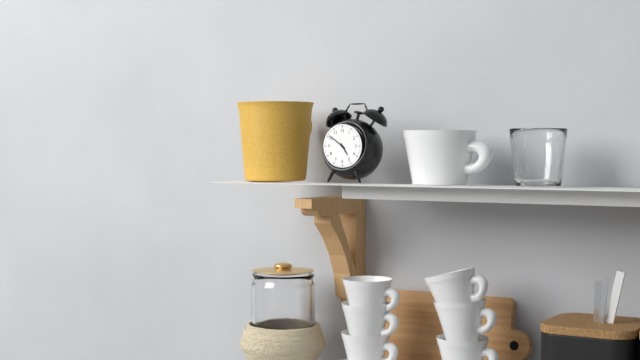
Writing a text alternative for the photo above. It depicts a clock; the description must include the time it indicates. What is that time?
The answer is 4:51
